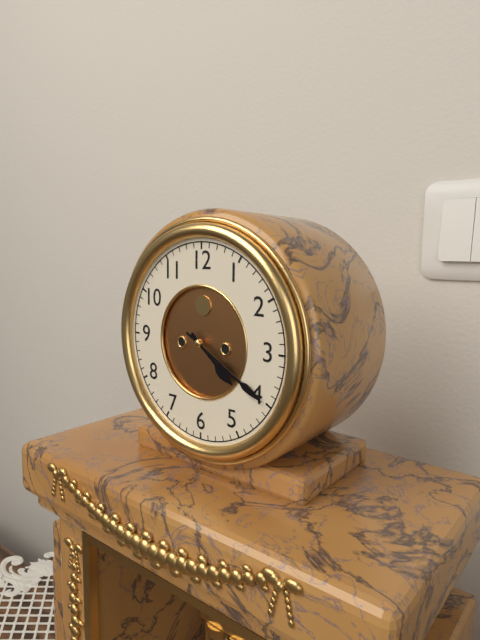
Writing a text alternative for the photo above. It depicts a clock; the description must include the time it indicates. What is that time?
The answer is 4:20
